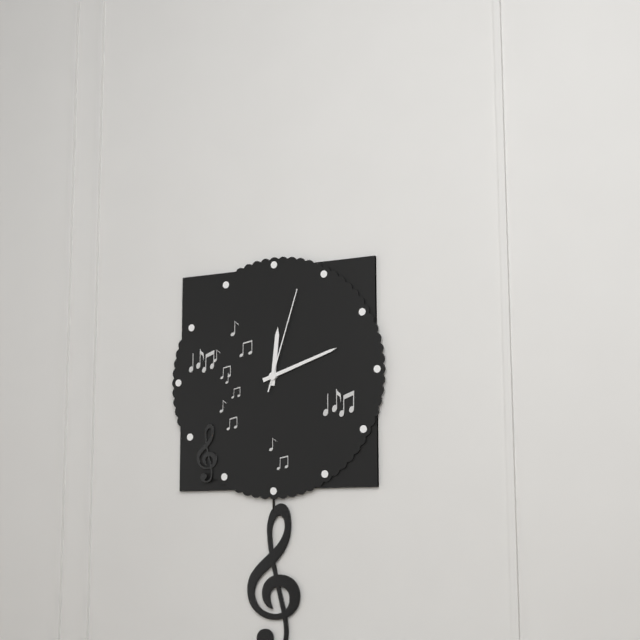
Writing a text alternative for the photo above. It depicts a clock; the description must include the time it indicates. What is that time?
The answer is 12:12:03
